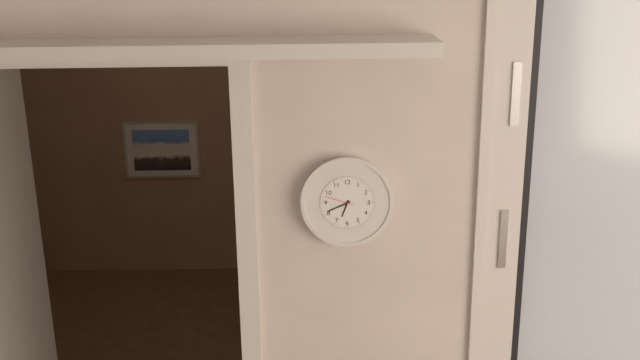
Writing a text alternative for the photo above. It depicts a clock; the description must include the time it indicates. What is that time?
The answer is 6:41
